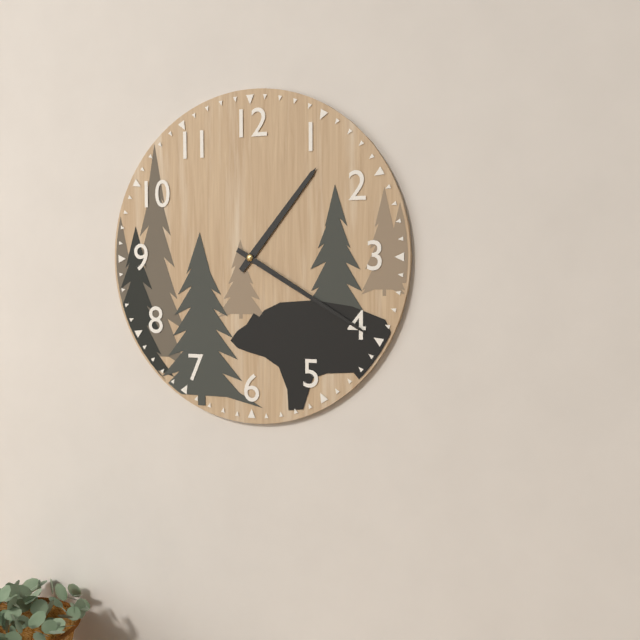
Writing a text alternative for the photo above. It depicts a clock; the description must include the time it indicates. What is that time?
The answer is 1:20
